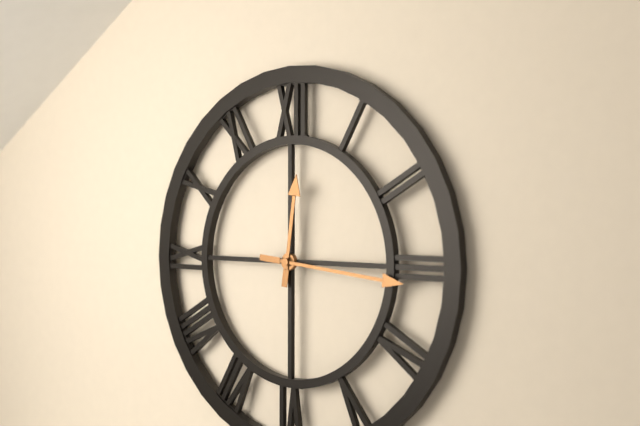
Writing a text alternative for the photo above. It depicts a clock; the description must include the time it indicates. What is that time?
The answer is 12:16
